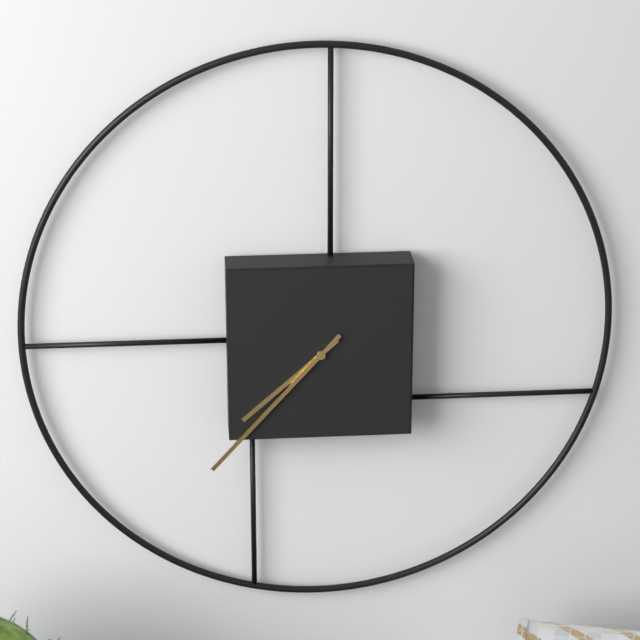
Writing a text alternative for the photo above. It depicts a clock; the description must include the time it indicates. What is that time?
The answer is 7:37
